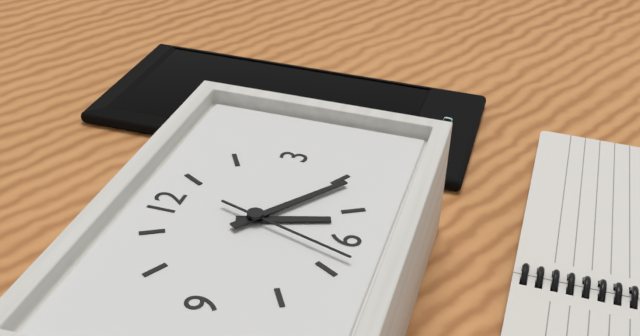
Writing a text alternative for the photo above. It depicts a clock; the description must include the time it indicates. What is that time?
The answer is 5:21:33
